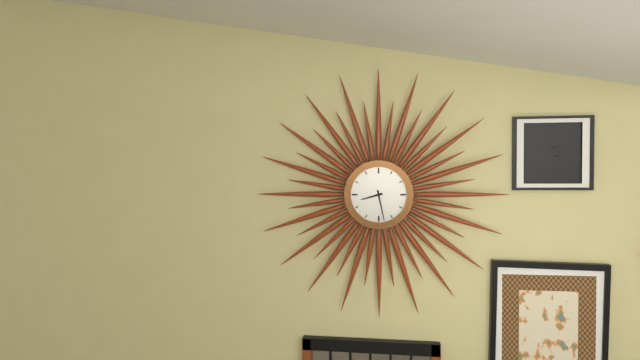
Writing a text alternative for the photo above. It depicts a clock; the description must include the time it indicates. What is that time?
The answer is 8:28
